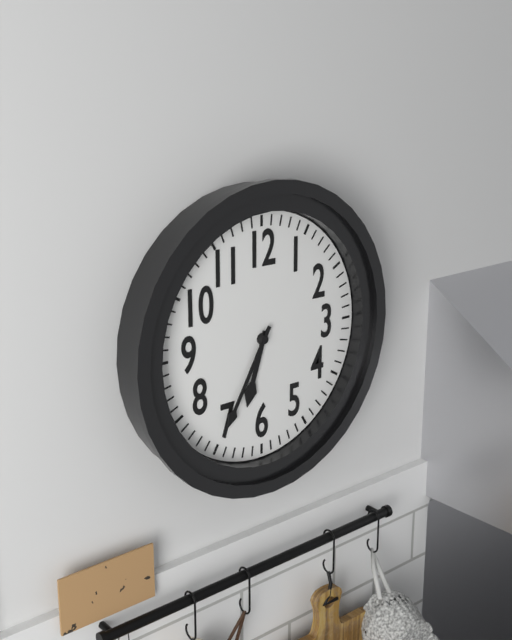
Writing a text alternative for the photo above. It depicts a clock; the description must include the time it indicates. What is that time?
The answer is 6:35
